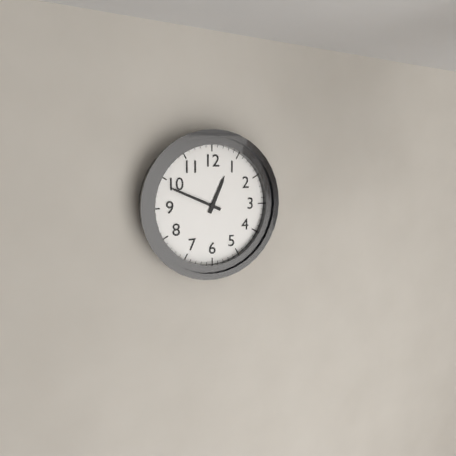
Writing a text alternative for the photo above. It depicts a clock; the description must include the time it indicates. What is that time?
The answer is 12:49
